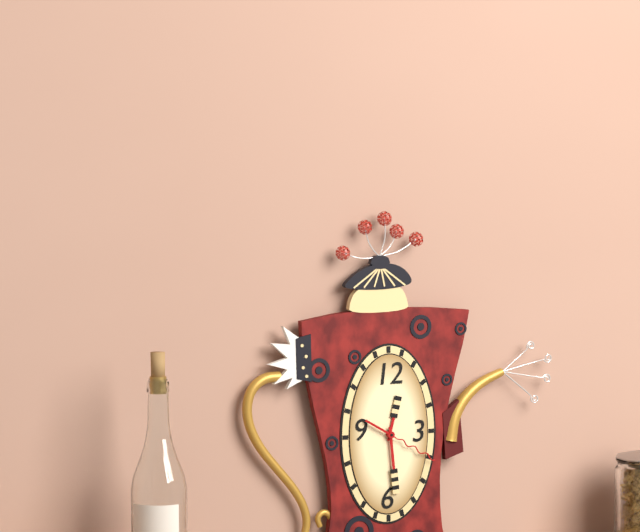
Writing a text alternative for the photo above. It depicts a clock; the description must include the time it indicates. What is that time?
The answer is 12:29:20
